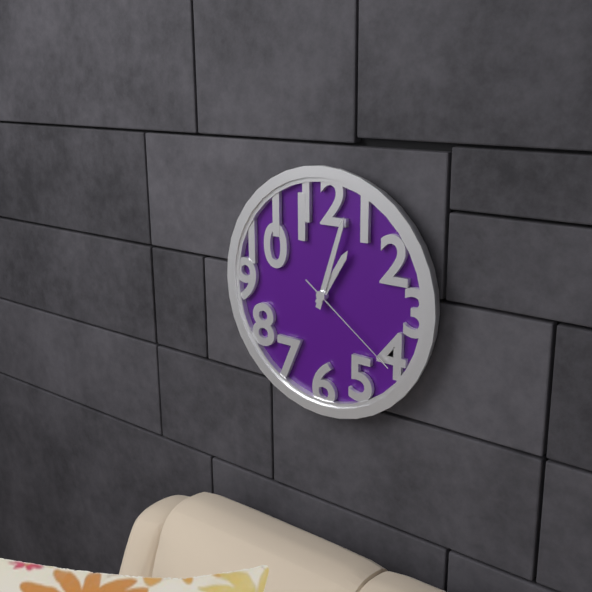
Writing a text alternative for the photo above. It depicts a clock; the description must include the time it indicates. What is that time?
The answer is 1:03:21
